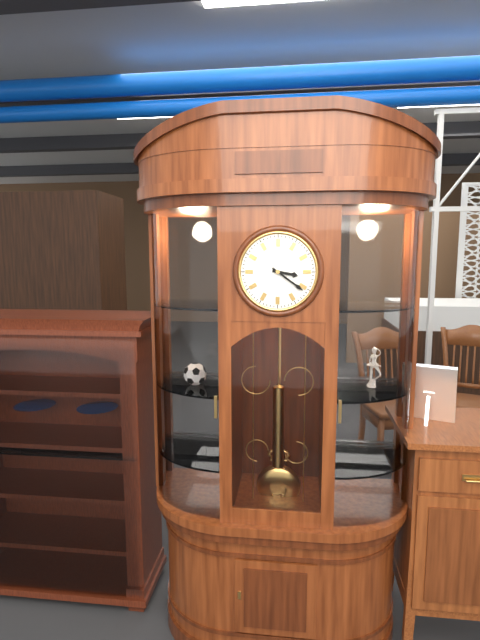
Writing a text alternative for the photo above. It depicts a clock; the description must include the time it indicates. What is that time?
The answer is 3:21
